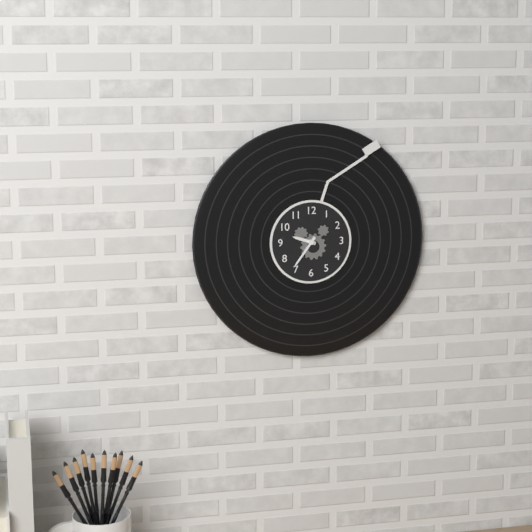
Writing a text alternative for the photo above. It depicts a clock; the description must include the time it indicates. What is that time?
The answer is 9:36
